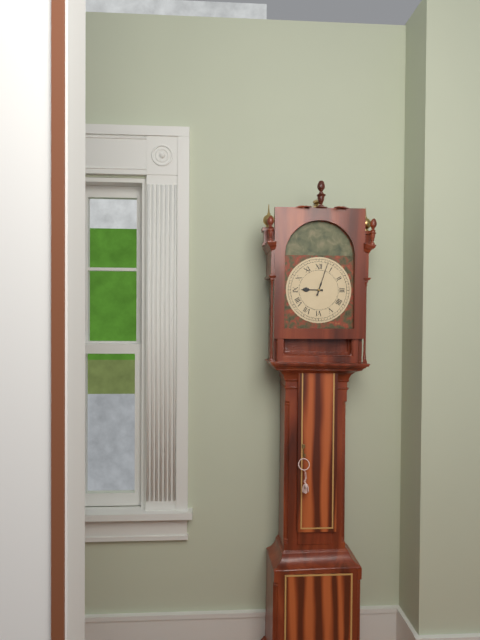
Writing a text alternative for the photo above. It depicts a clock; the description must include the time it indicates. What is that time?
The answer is 9:03
